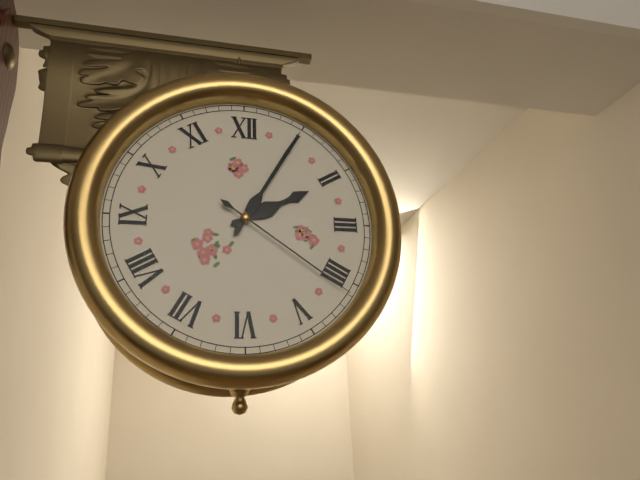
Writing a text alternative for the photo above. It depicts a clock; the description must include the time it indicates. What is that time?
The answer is 2:05:21
